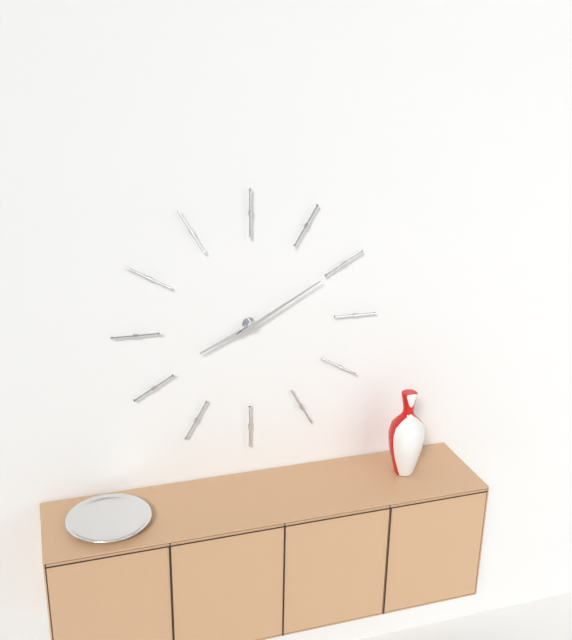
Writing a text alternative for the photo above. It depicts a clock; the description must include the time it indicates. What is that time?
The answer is 8:10
